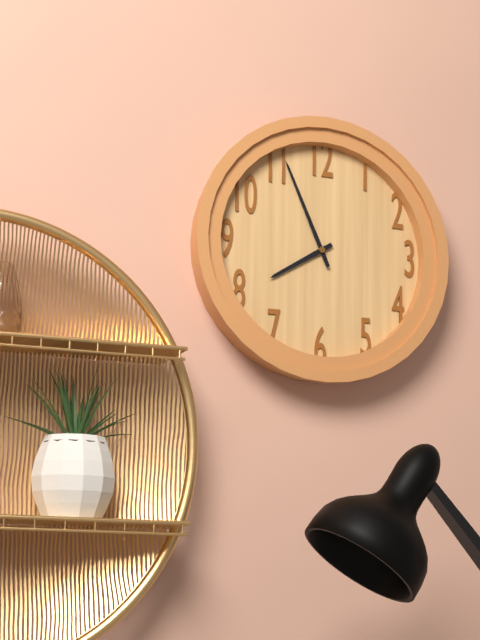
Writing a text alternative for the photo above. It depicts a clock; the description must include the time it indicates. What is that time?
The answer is 7:56
